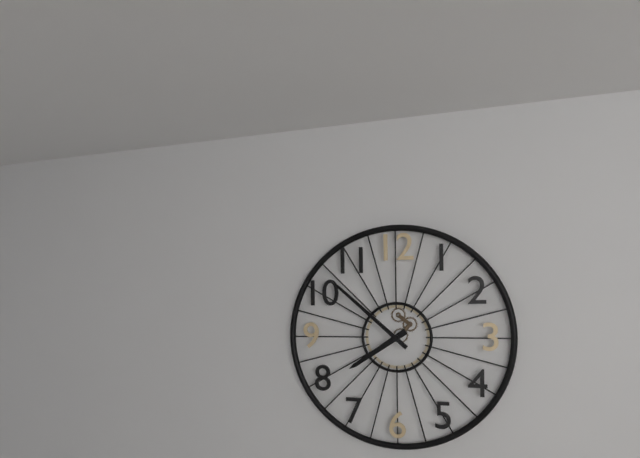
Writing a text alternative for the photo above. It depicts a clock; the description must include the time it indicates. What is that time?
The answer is 7:52
